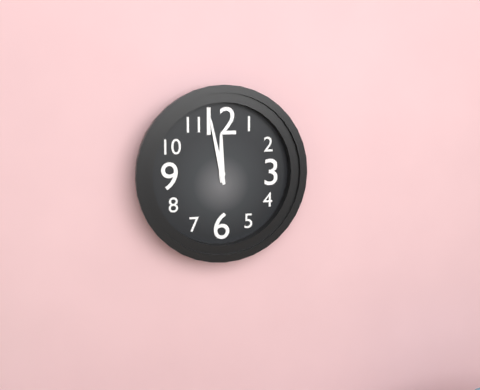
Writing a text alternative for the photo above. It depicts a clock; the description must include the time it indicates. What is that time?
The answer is 11:58
